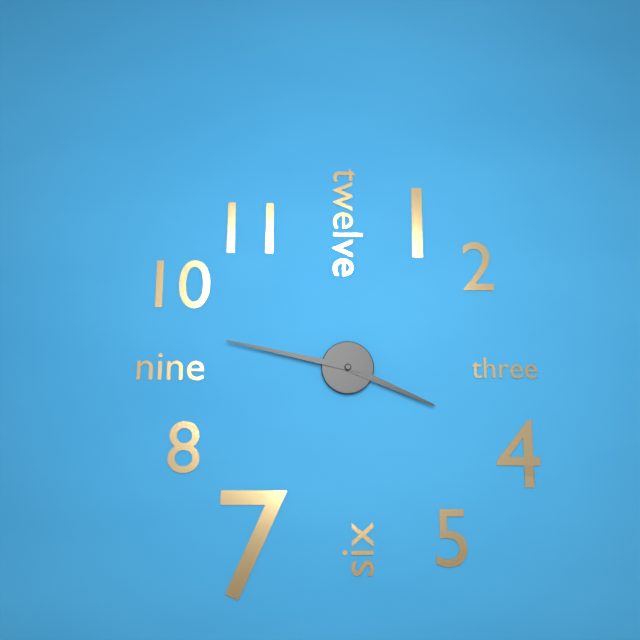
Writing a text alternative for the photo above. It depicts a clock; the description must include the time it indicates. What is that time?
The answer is 3:47
